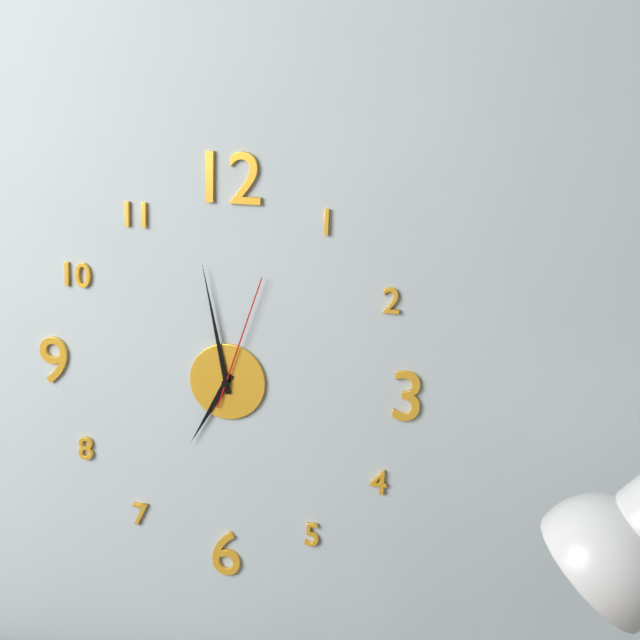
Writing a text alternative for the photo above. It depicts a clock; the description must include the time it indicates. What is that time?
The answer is 6:58:03
